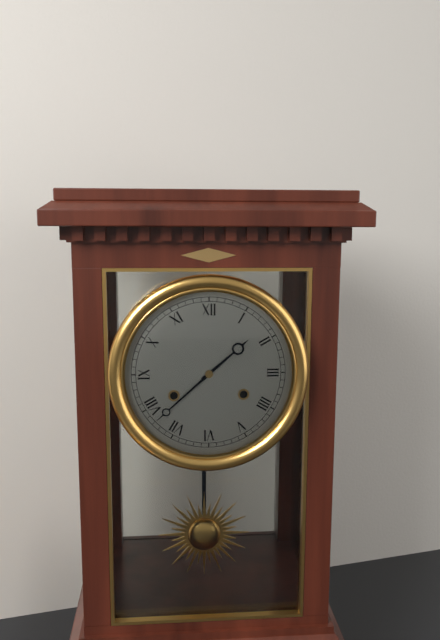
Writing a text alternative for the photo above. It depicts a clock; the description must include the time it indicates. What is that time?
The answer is 1:38
